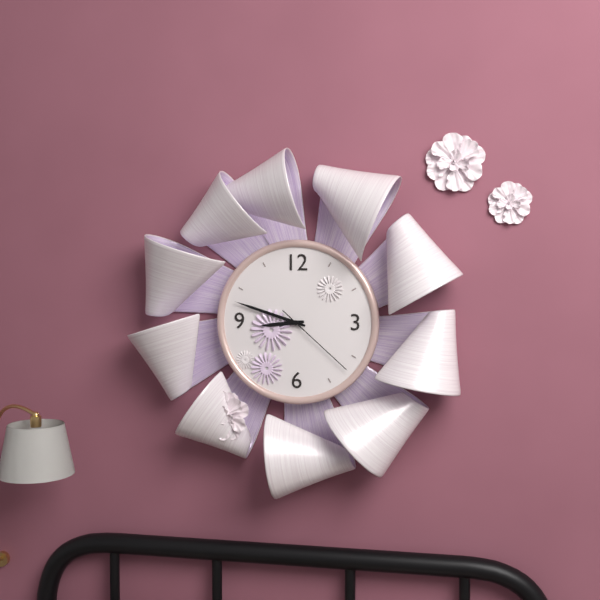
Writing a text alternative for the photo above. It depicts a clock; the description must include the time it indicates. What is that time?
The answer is 8:48:22
